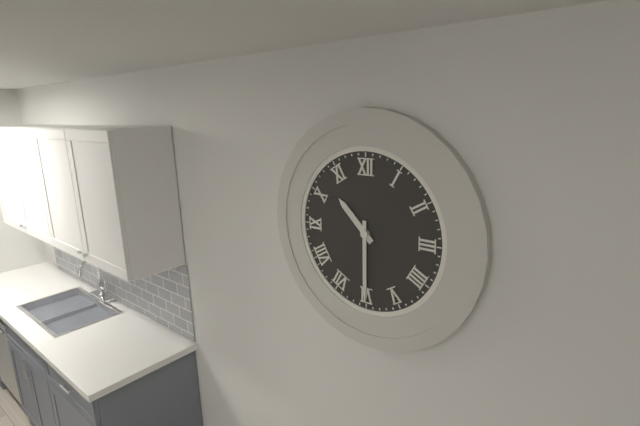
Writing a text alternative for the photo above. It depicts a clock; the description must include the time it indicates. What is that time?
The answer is 10:30
